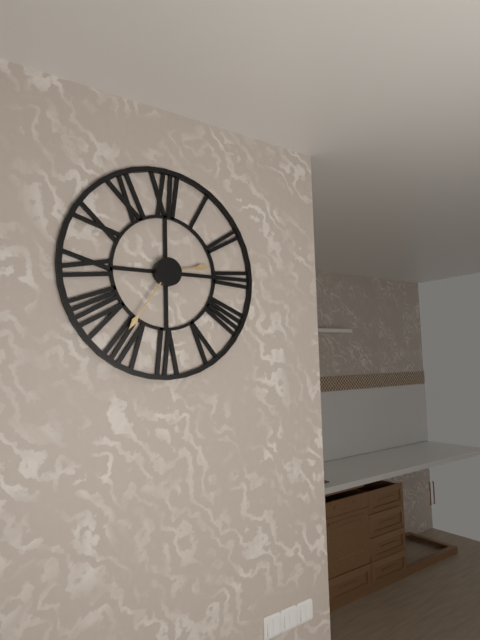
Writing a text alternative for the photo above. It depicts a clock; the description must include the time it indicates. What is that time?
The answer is 2:36
